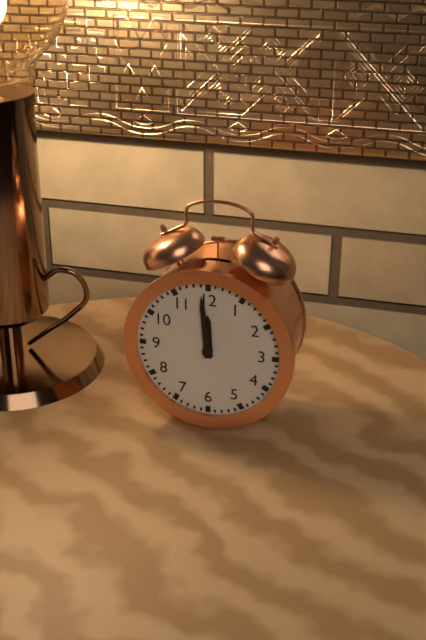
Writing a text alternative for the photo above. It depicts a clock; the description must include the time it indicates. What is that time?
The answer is 11:59
